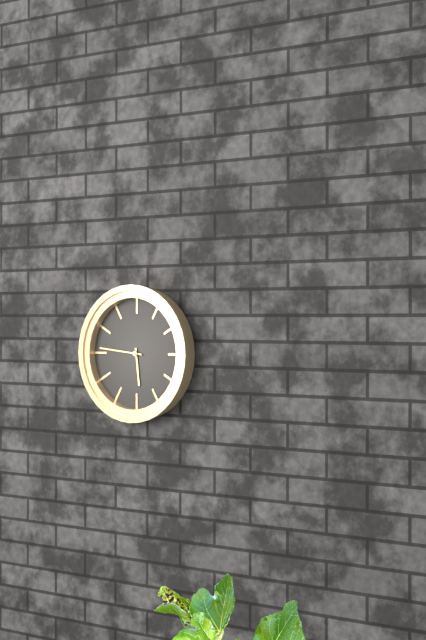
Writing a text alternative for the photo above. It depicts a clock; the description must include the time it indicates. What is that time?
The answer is 5:46
